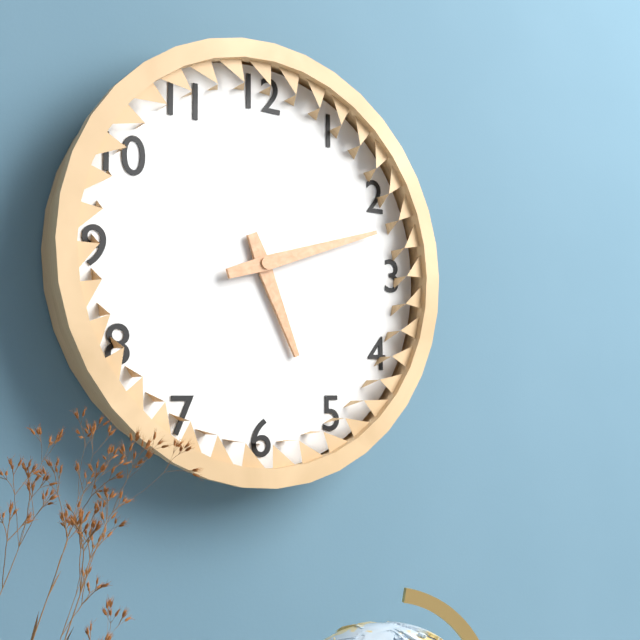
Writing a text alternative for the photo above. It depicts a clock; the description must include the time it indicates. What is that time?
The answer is 5:12
